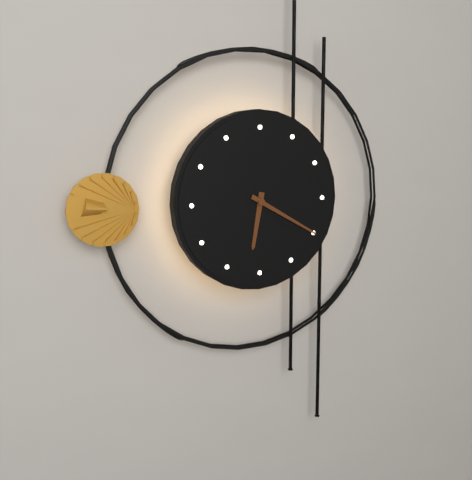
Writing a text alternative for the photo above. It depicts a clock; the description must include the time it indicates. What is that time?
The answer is 6:20
